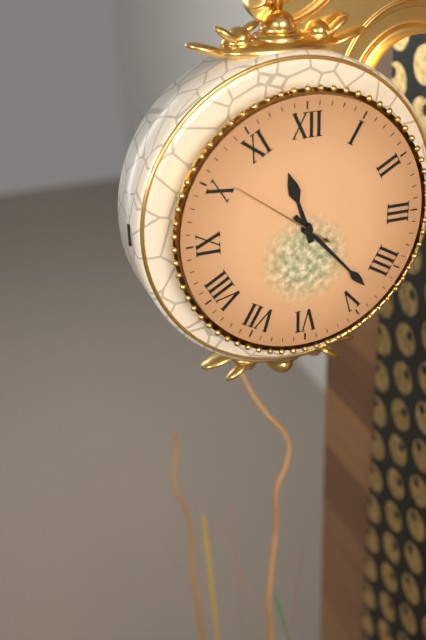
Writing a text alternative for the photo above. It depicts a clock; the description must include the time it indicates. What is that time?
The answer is 11:23:51
